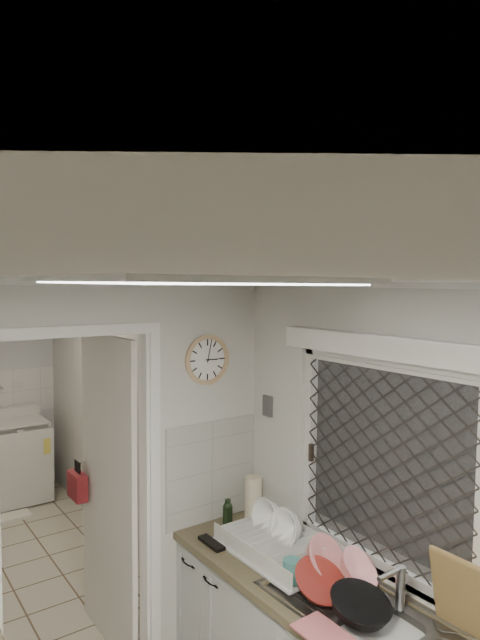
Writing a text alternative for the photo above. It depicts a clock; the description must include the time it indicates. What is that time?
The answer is 3:02
